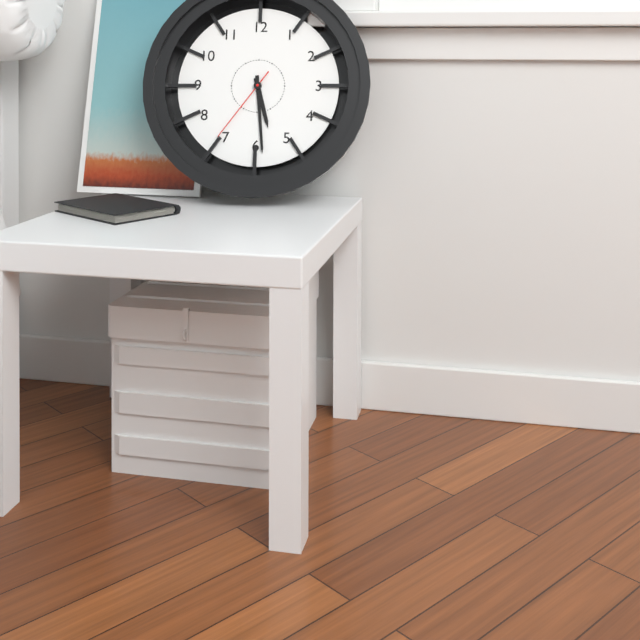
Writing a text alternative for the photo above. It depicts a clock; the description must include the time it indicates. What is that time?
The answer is 5:29:36
